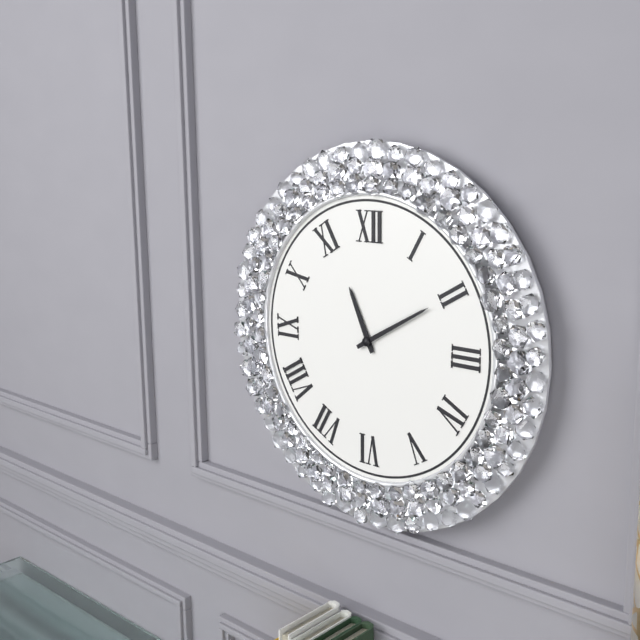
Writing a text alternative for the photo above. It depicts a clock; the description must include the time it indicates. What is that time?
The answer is 11:10
